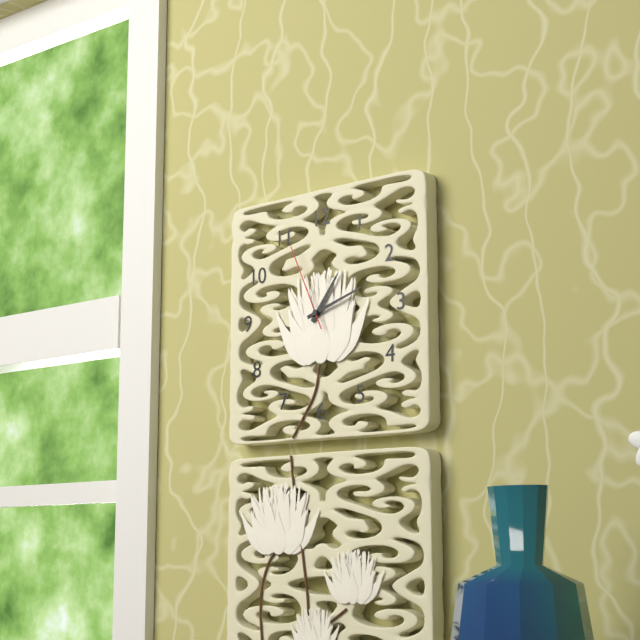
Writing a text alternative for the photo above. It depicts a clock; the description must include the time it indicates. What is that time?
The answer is 1:12:56
